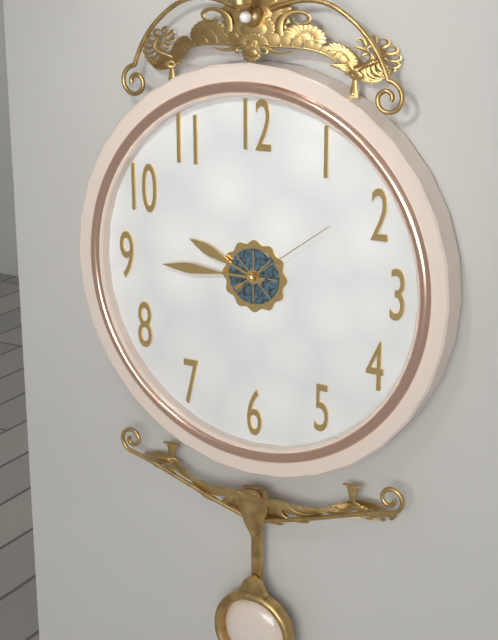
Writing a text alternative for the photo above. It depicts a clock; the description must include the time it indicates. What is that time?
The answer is 9:45:09
